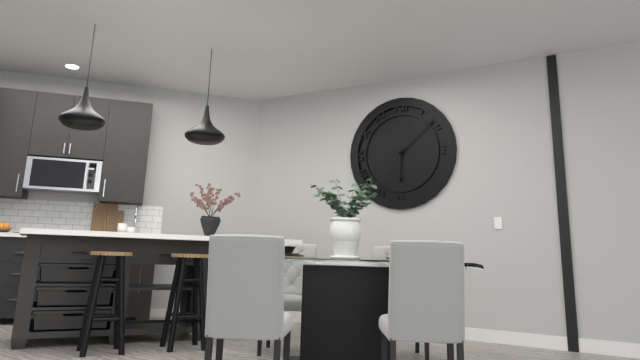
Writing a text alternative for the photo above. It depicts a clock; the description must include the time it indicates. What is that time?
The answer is 6:08:35
